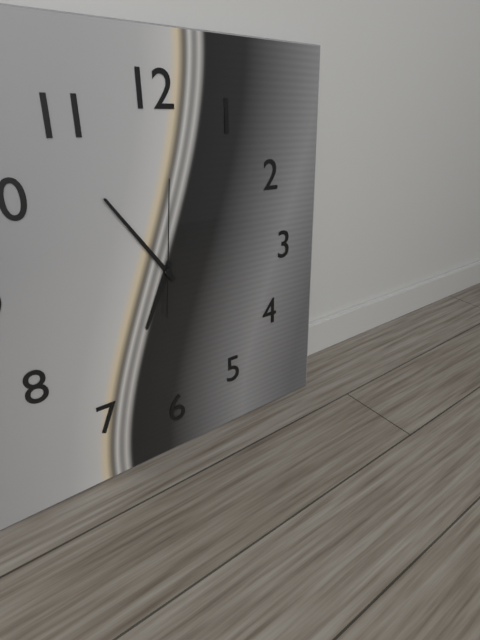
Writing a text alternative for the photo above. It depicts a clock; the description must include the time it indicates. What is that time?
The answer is 6:54:01
